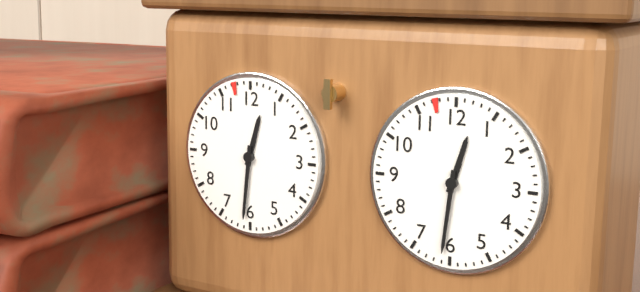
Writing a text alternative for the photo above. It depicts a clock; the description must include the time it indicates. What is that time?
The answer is 12:31
